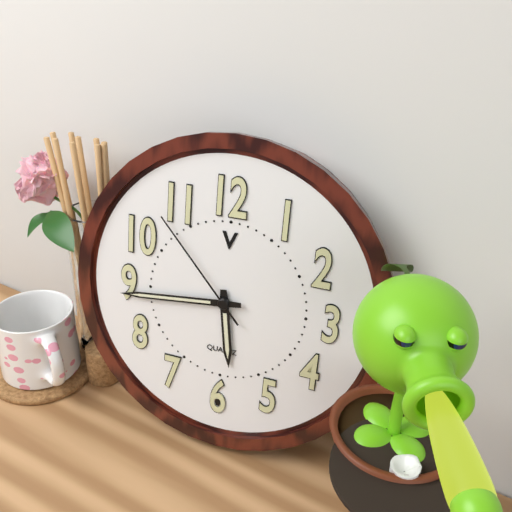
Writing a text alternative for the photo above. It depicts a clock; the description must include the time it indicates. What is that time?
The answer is 5:44:53
